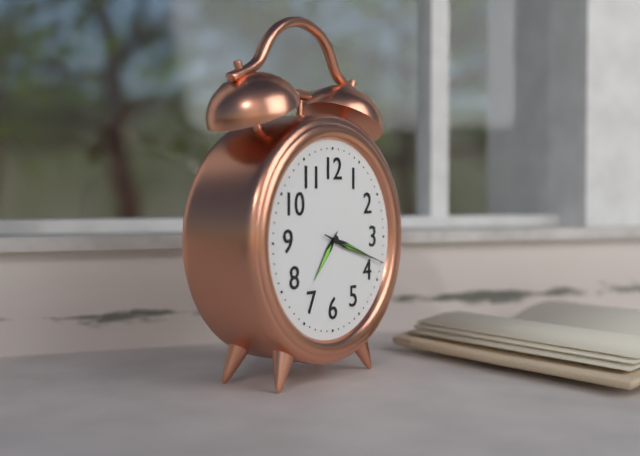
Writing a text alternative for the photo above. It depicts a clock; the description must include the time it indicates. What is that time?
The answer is 7:18:18
